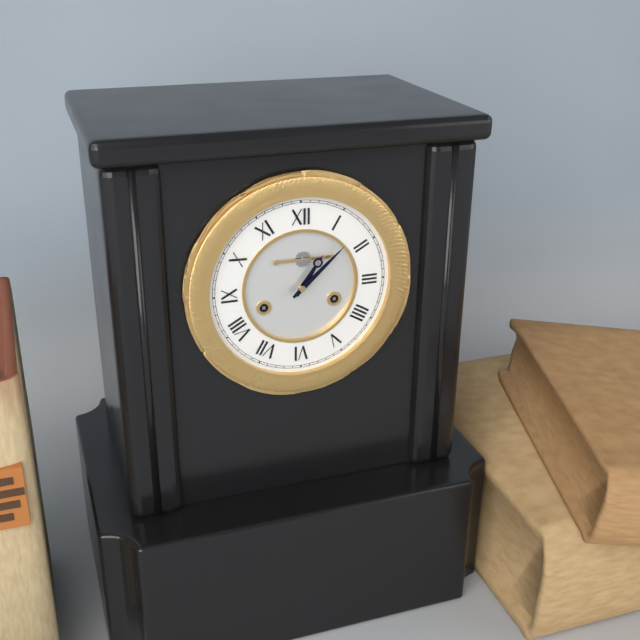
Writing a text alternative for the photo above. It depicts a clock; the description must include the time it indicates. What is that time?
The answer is 1:08
